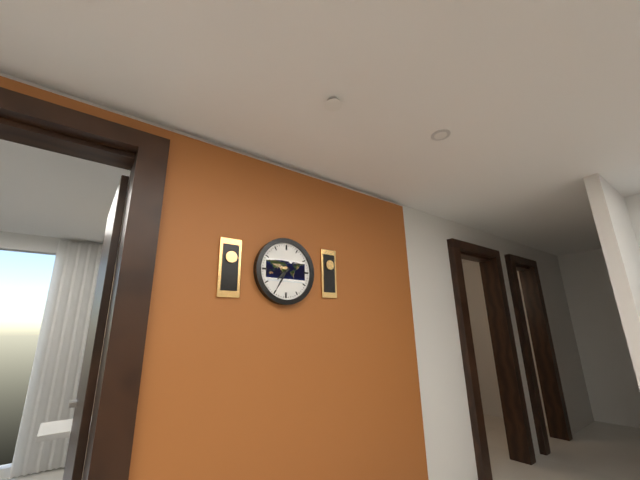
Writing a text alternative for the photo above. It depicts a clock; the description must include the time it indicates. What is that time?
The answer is 7:35
